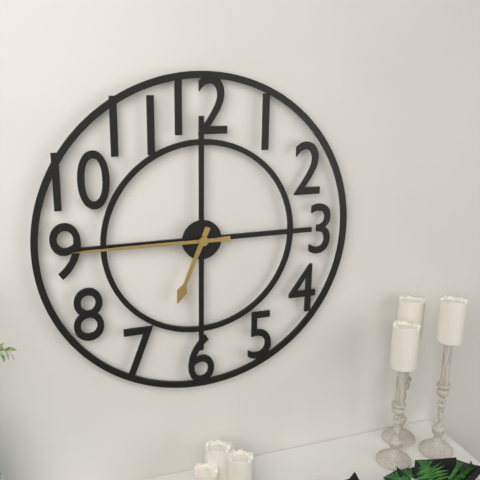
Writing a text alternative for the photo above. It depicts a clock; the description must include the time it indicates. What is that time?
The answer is 6:45
